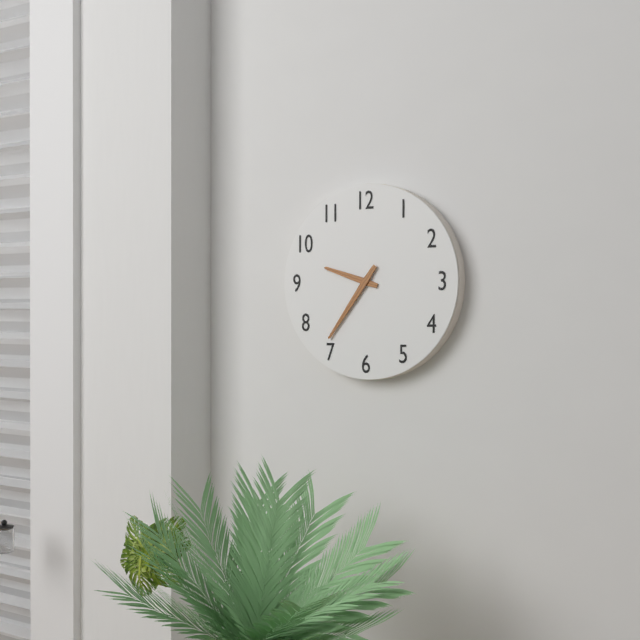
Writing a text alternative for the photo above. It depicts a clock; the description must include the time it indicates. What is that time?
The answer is 9:36
